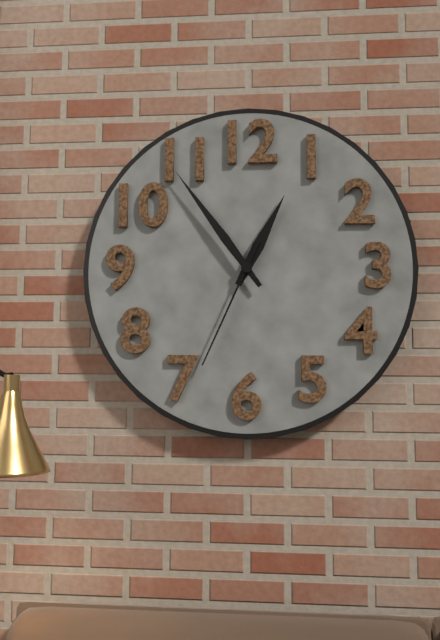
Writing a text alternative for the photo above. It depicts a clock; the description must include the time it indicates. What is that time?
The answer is 12:54:34
